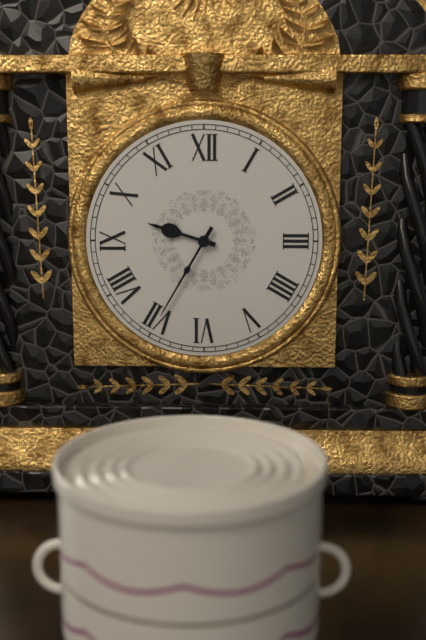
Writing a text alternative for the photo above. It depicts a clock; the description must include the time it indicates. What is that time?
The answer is 9:35
